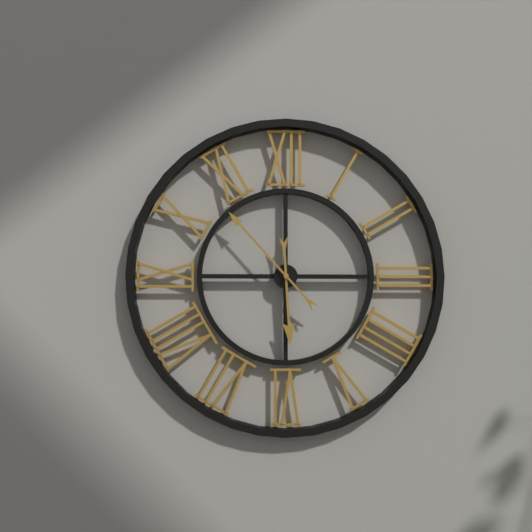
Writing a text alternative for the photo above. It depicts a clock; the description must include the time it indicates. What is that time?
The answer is 5:53
